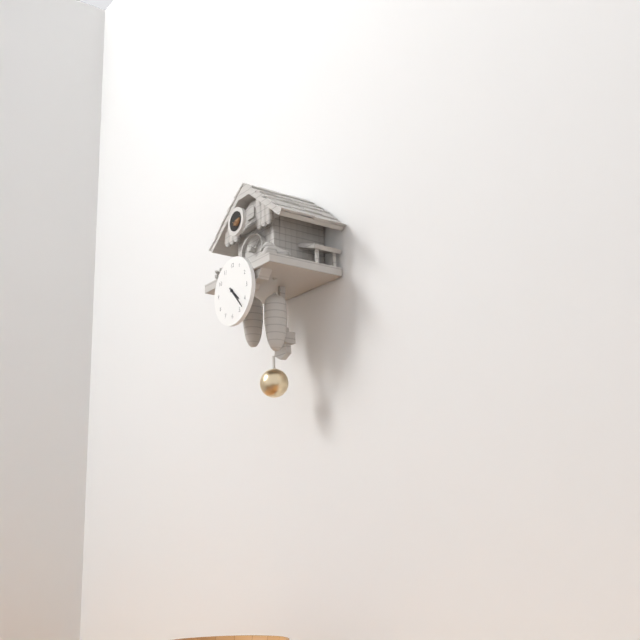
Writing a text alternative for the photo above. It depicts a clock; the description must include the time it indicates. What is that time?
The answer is 4:23
